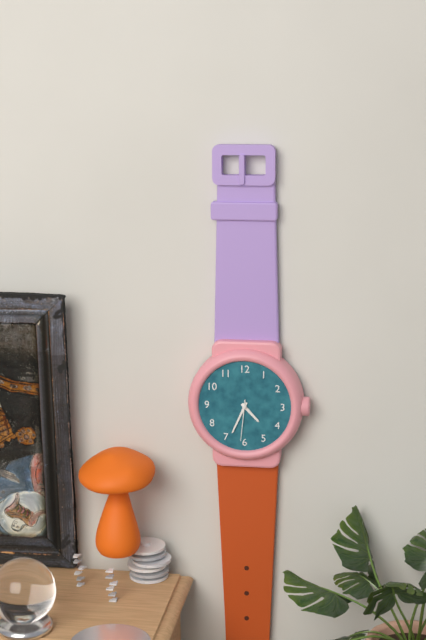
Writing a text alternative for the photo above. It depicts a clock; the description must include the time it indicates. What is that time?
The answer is 4:34
